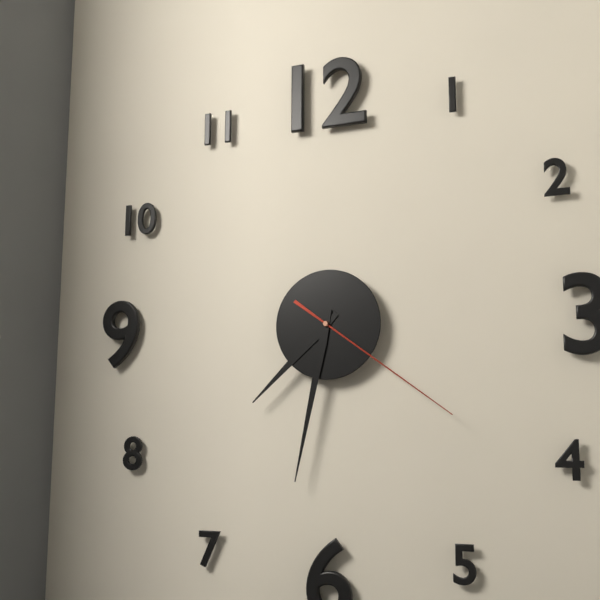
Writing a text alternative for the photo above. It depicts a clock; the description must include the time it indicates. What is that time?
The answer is 7:32:21
